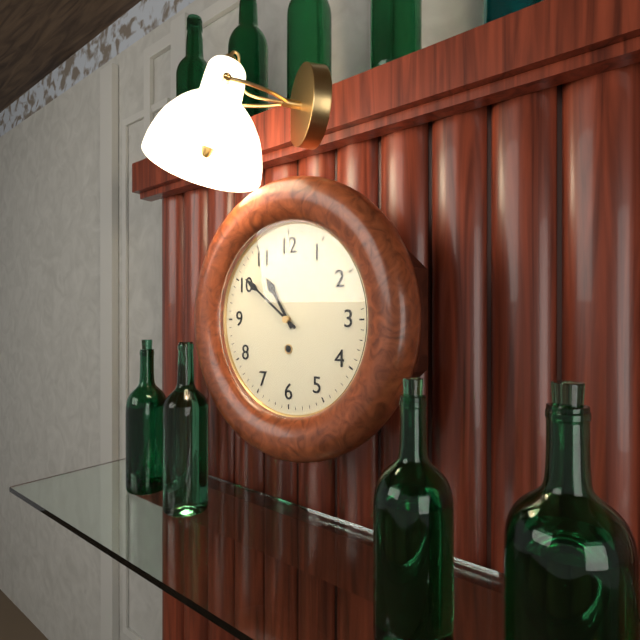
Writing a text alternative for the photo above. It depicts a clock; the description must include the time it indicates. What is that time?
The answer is 10:51
